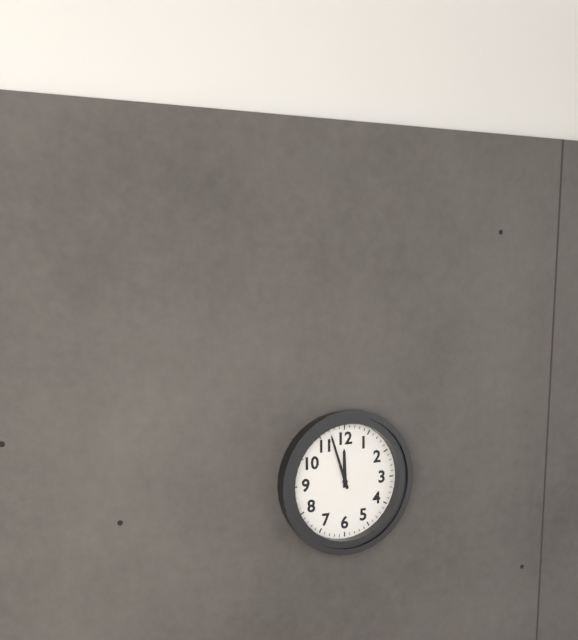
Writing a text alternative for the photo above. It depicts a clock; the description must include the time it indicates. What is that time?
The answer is 11:57
